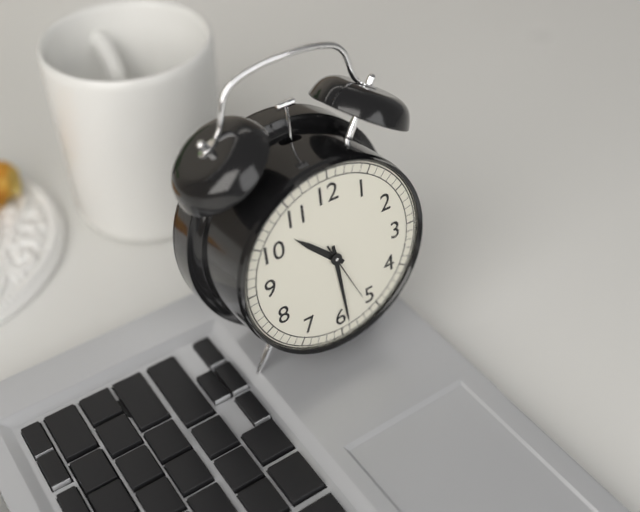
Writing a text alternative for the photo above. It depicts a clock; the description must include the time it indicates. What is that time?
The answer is 10:29:26
